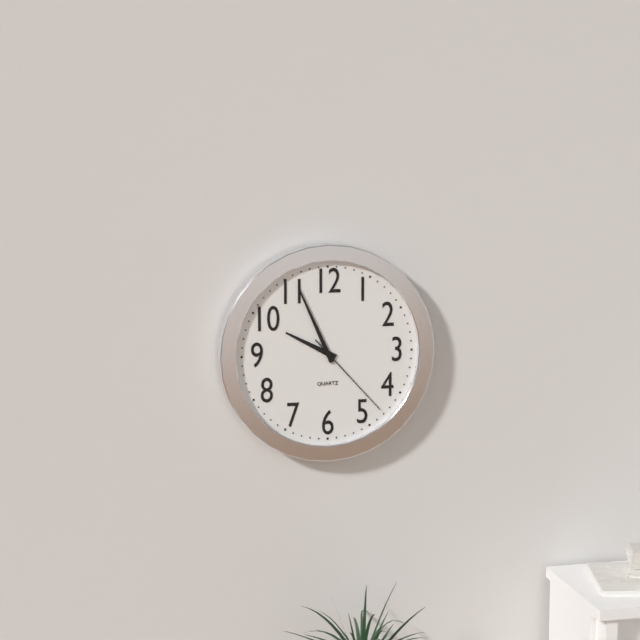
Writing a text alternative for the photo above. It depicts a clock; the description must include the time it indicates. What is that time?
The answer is 9:56:23
